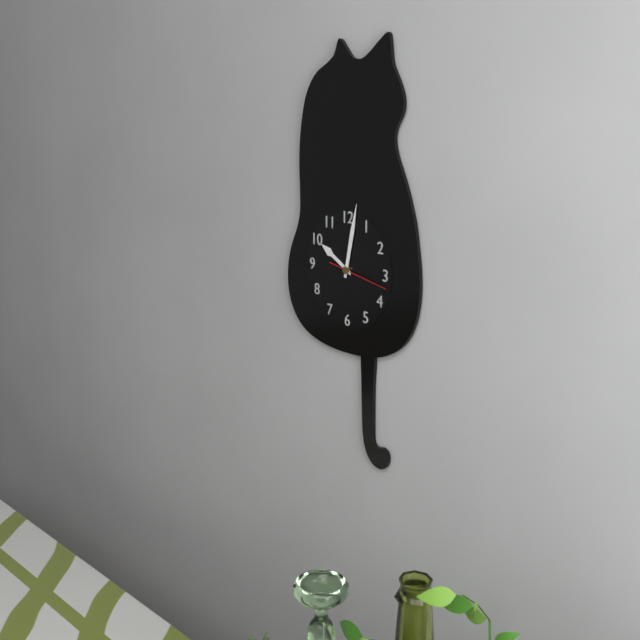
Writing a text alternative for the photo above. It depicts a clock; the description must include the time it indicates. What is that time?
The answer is 10:02:17
